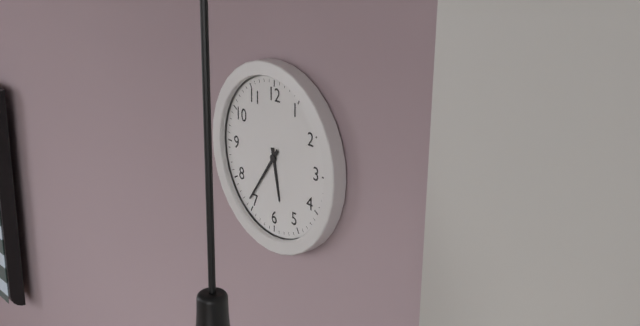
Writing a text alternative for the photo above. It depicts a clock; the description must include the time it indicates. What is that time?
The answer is 5:36
